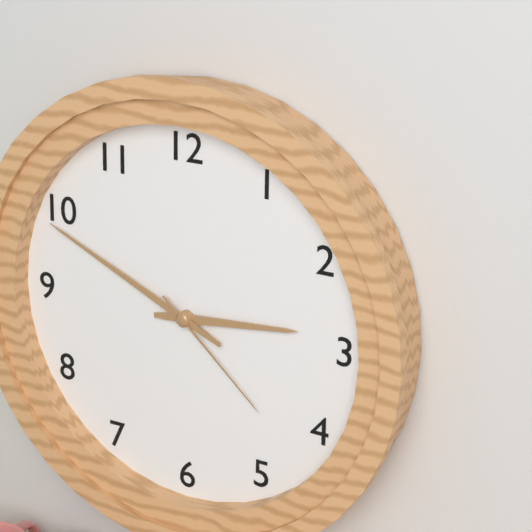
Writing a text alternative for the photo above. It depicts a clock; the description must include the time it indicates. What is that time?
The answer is 2:49:22
